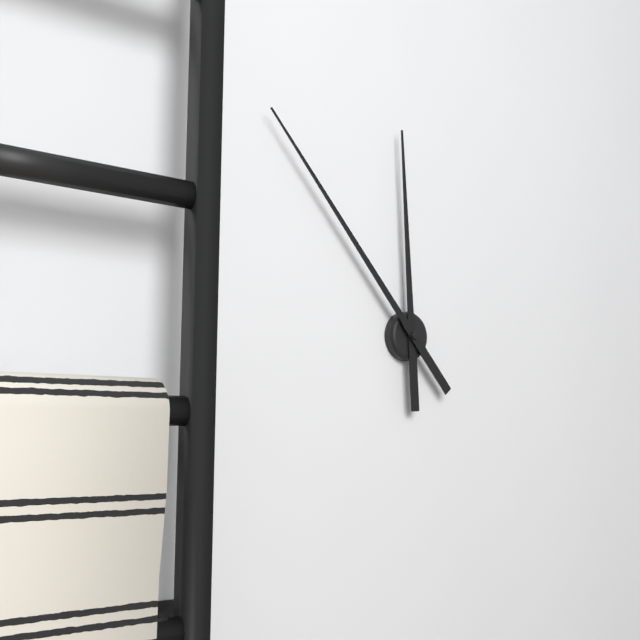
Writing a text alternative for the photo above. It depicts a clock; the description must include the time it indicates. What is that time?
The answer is 11:53
